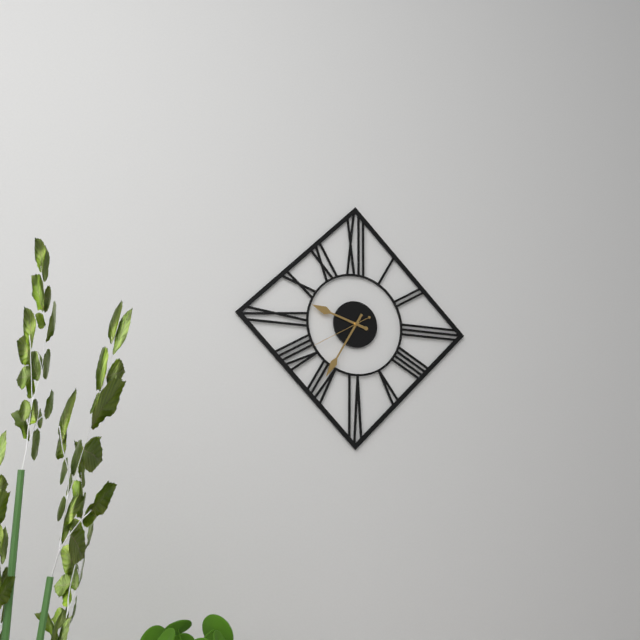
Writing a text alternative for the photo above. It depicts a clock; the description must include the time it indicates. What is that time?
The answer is 9:35:40
